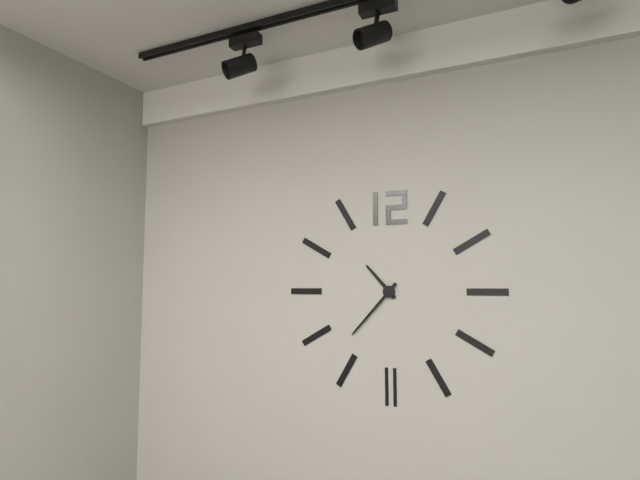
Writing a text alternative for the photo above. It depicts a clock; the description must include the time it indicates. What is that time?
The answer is 10:37
